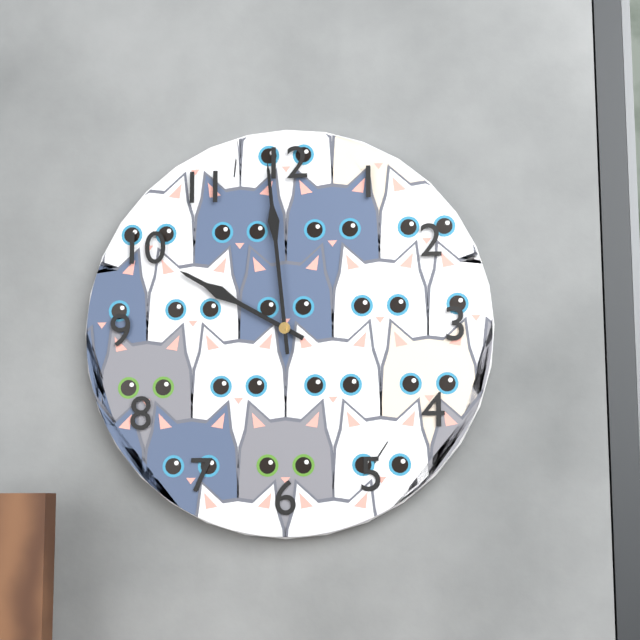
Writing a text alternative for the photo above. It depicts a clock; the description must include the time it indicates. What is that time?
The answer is 9:59
